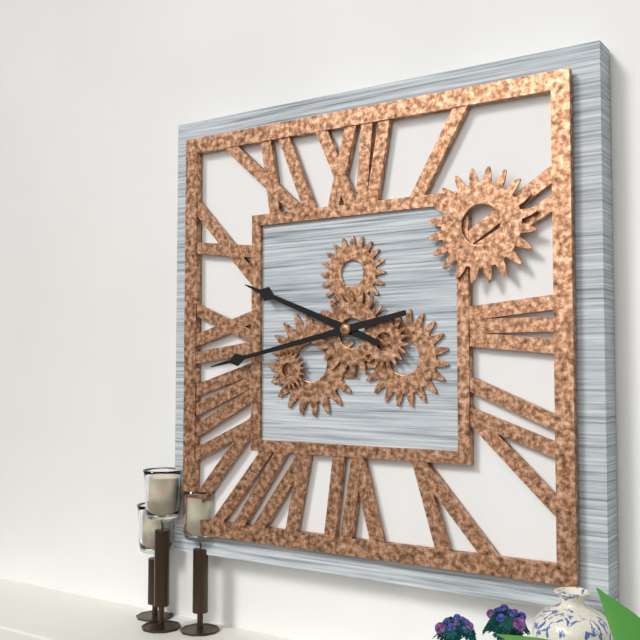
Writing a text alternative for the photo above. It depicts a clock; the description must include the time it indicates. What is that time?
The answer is 9:43
